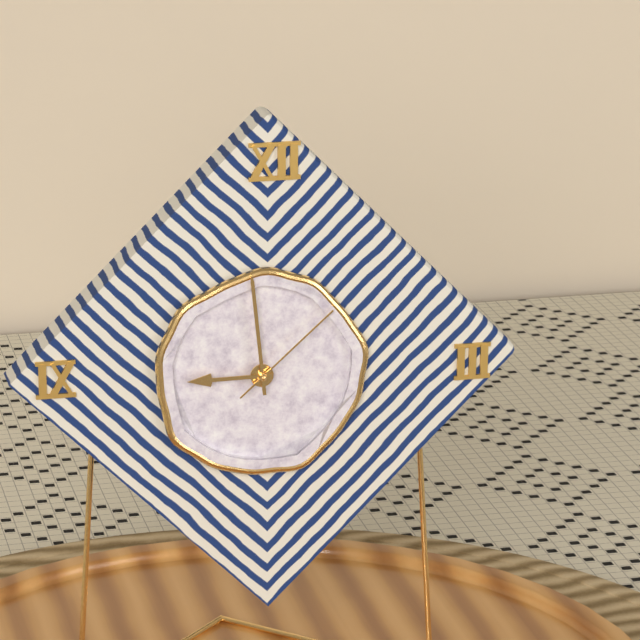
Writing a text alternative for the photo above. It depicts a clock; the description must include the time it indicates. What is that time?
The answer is 8:59:08
